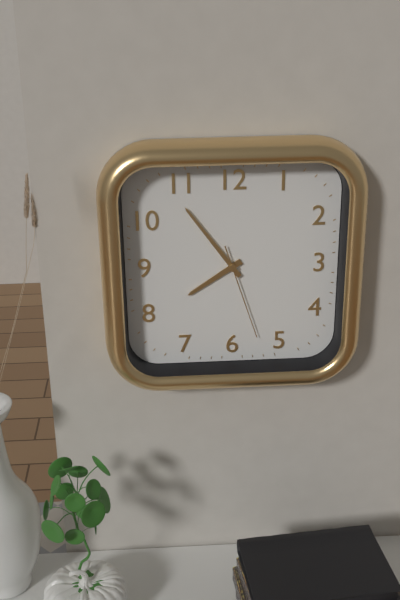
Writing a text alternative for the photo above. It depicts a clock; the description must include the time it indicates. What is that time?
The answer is 7:54:27
